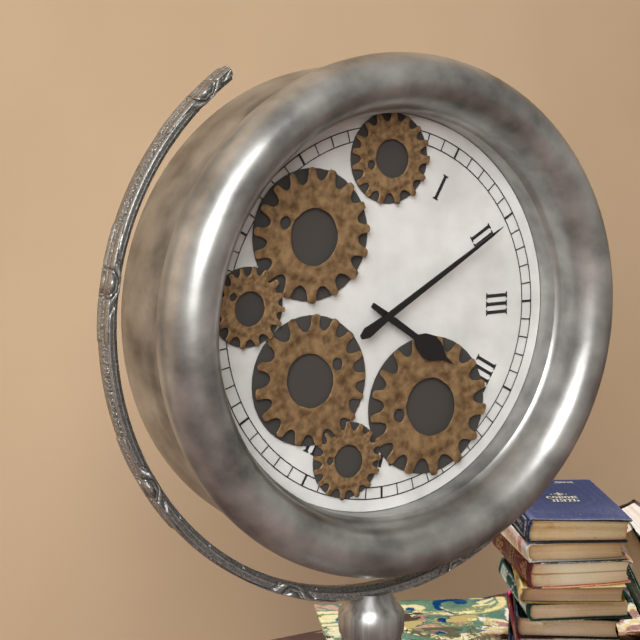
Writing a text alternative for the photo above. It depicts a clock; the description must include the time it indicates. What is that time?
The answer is 4:10
